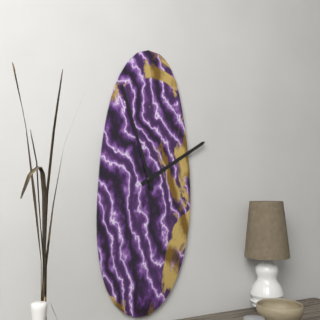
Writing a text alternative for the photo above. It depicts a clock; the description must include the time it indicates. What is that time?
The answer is 1:57
